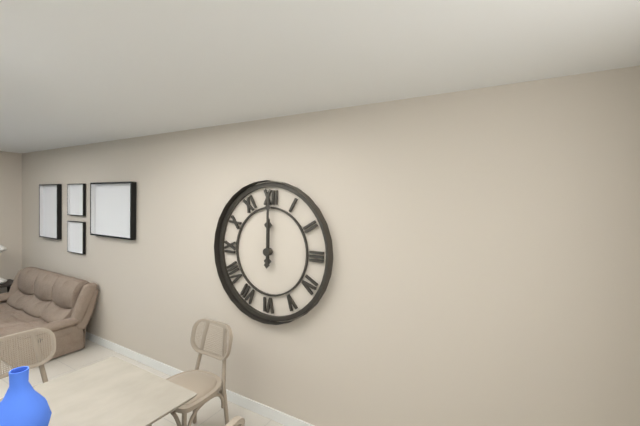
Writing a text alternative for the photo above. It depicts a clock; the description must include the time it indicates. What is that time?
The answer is 12:00
